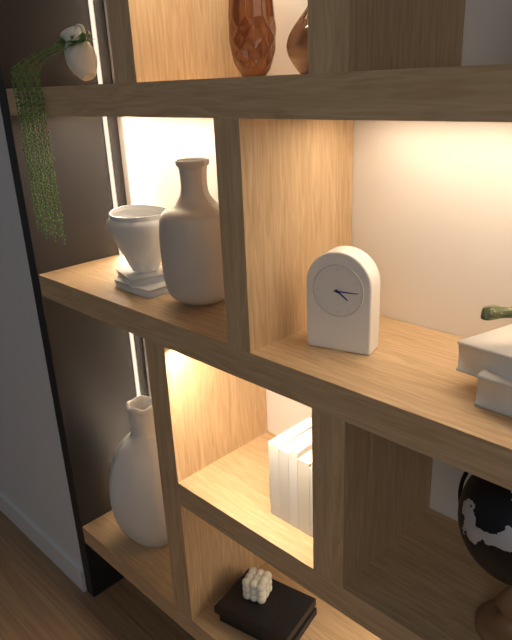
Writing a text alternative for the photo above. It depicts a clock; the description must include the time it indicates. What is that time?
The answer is 4:15
